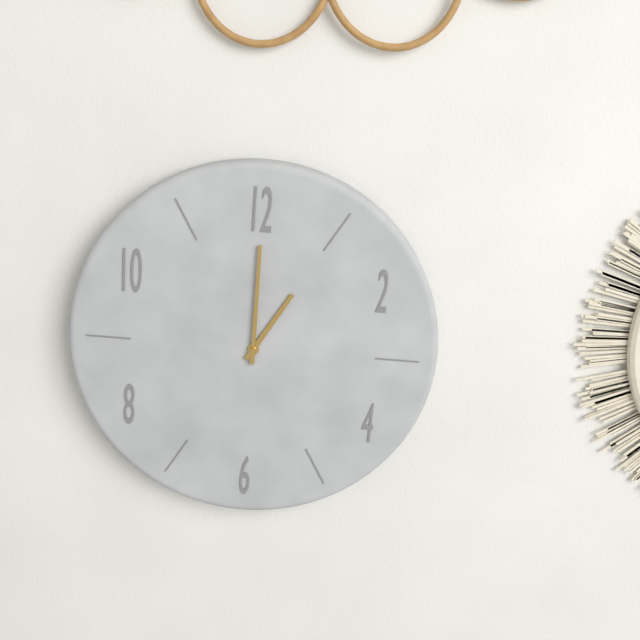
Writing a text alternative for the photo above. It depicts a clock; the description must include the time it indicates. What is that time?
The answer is 1:00
